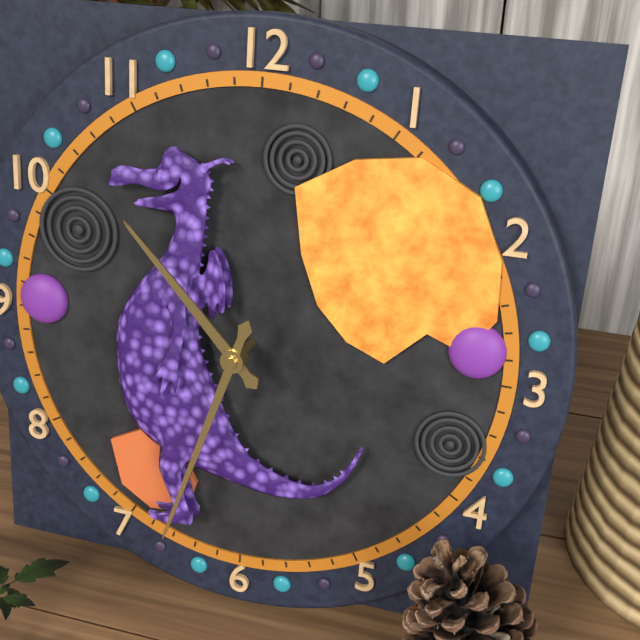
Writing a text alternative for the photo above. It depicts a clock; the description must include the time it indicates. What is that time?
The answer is 10:33
